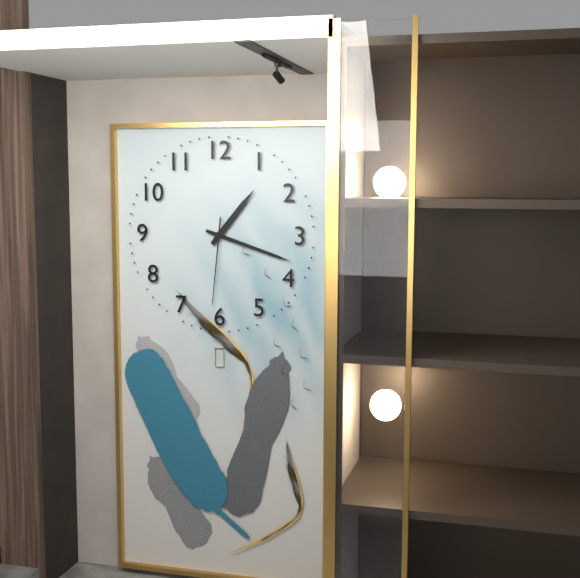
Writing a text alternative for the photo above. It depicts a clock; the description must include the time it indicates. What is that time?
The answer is 1:18:31
